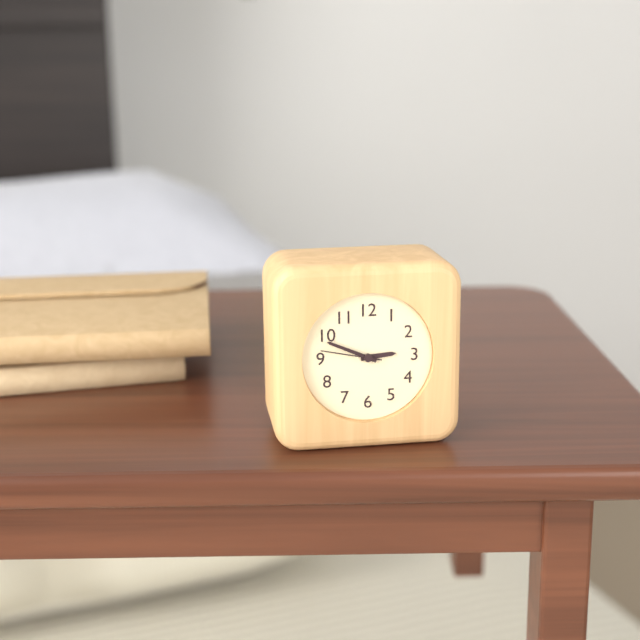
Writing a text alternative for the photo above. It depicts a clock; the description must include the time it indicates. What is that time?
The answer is 2:49:47
